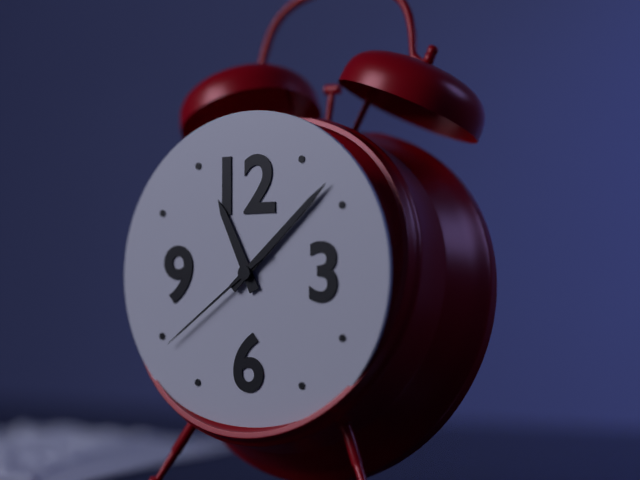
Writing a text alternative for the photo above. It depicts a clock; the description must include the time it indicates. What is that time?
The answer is 11:08:39
